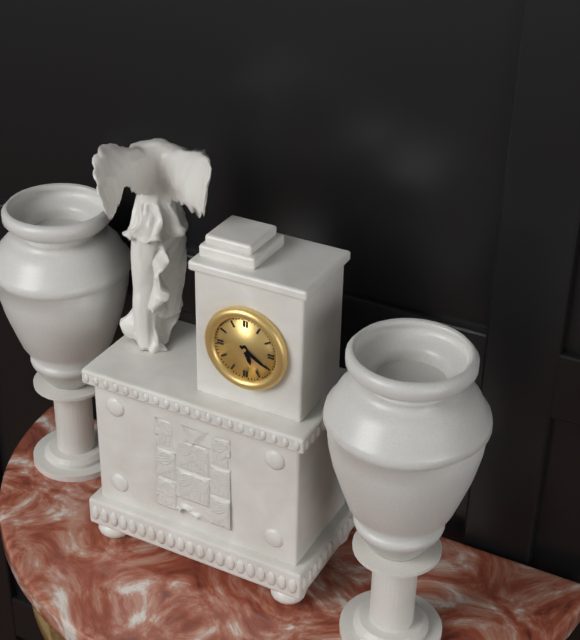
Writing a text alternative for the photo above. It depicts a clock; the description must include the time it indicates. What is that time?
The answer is 5:20
